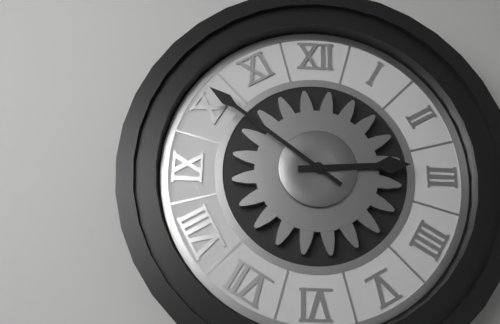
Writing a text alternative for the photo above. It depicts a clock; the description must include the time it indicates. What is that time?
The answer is 2:51
